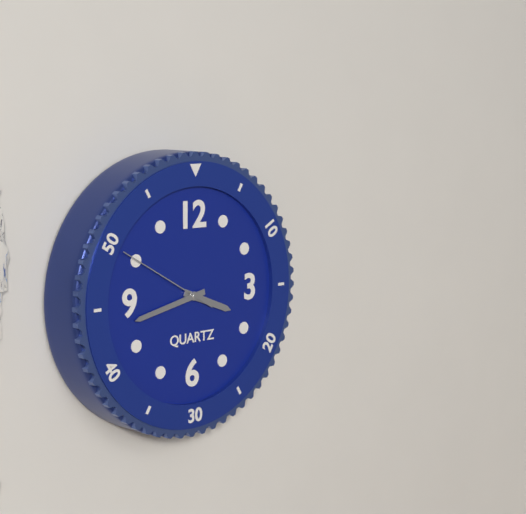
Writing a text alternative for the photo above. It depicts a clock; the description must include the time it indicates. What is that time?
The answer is 3:43:50
